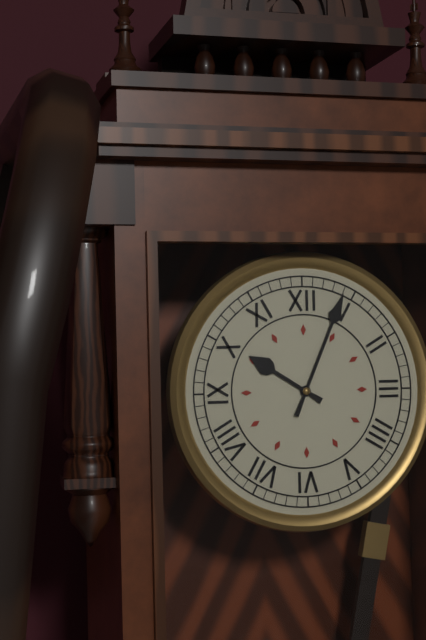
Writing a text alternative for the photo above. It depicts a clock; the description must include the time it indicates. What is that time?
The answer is 10:04
